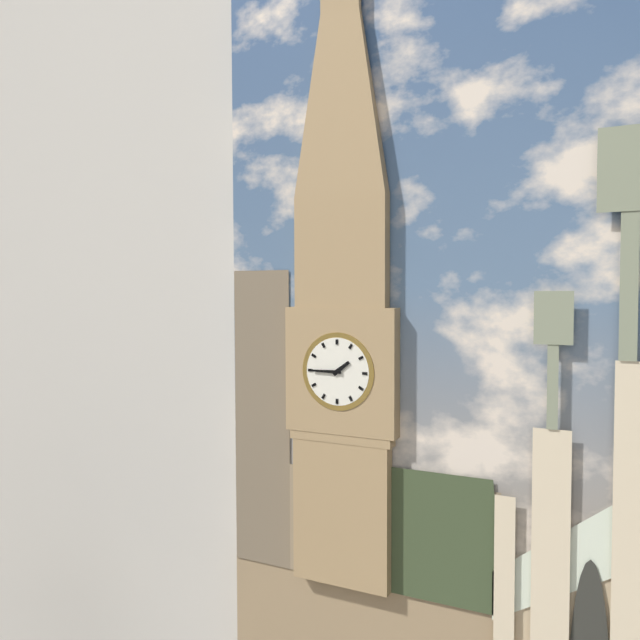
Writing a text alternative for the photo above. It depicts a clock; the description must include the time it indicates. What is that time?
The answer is 1:45
